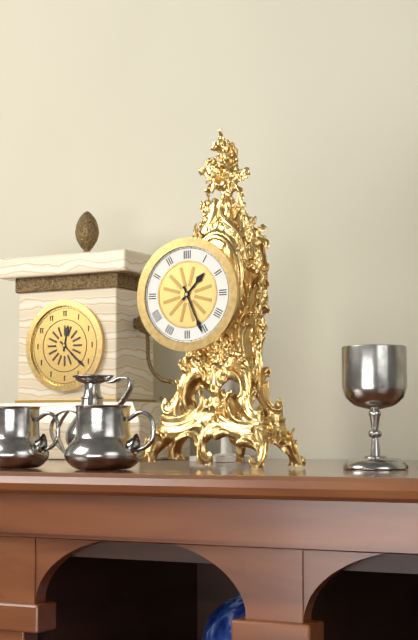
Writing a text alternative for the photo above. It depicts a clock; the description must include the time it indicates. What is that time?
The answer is 1:26
